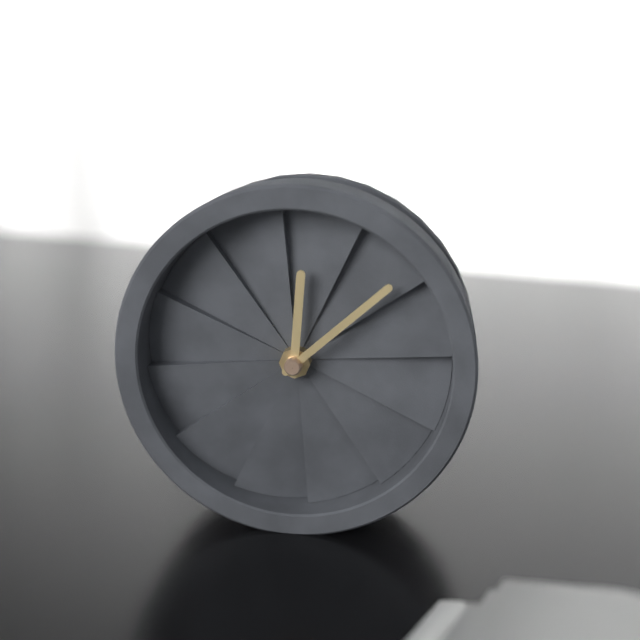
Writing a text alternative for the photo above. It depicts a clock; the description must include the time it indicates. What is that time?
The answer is 12:08
